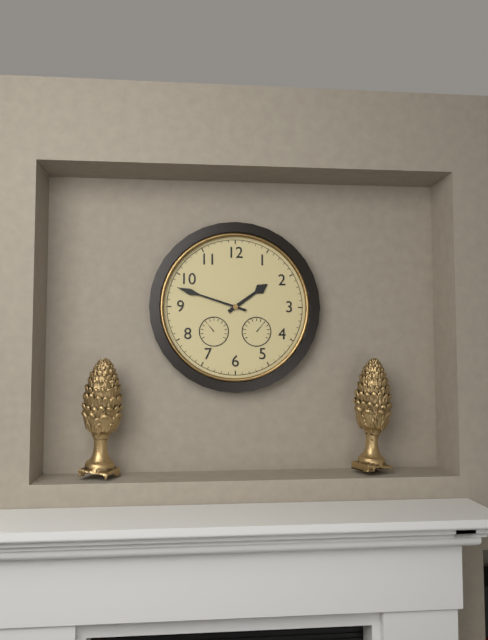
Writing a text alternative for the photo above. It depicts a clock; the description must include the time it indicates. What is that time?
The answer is 1:48
